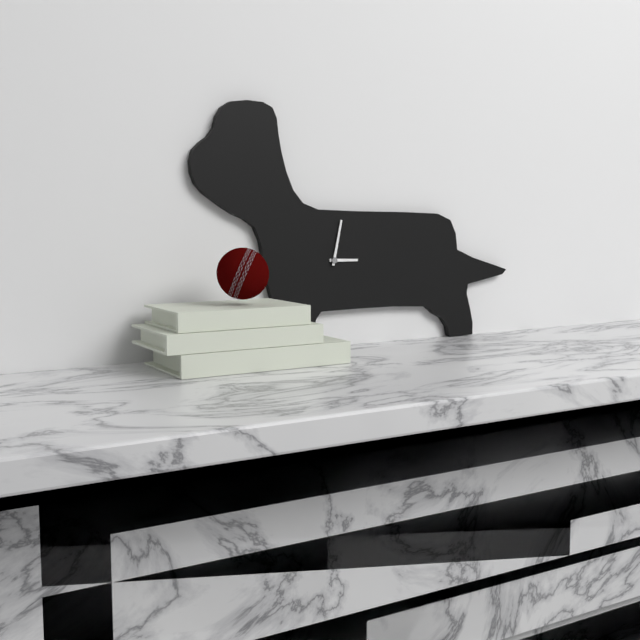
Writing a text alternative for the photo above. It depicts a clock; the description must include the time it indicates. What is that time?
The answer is 3:02
